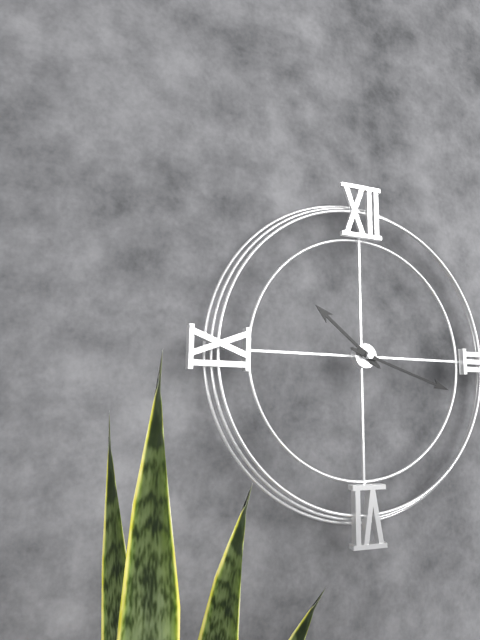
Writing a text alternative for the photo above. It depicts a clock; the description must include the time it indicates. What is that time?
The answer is 10:18
